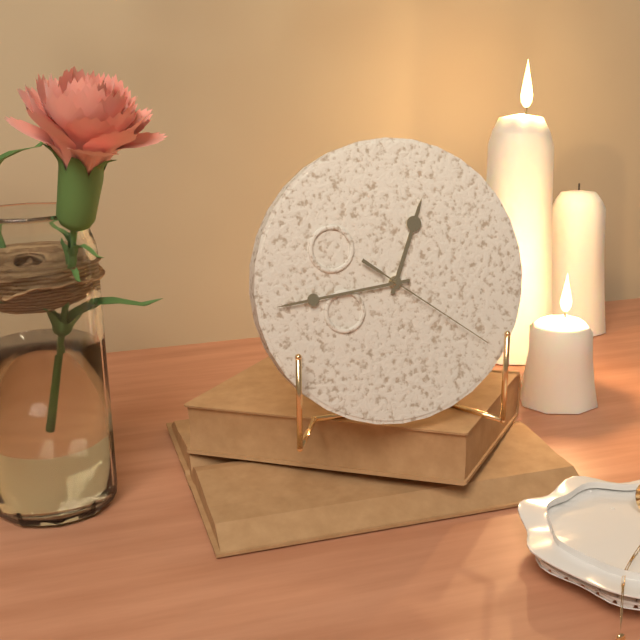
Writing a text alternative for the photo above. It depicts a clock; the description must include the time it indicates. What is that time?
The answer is 12:44:21
